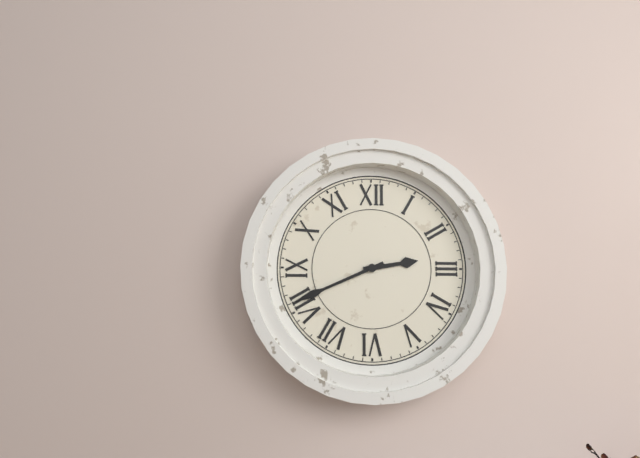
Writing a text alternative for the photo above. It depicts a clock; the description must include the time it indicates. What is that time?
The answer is 2:41
